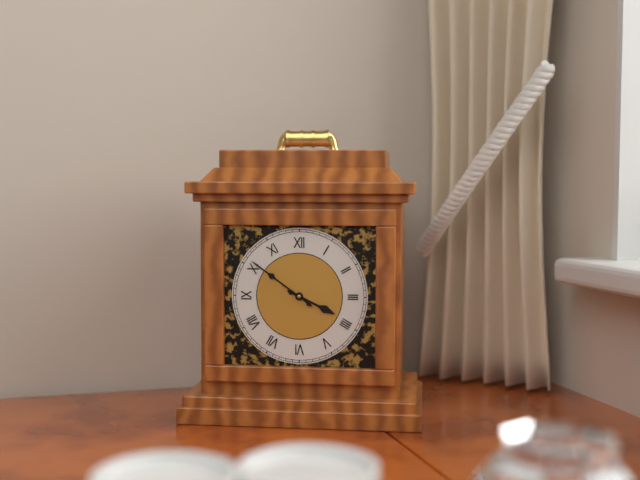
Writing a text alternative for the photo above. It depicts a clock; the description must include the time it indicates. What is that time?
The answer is 3:51
